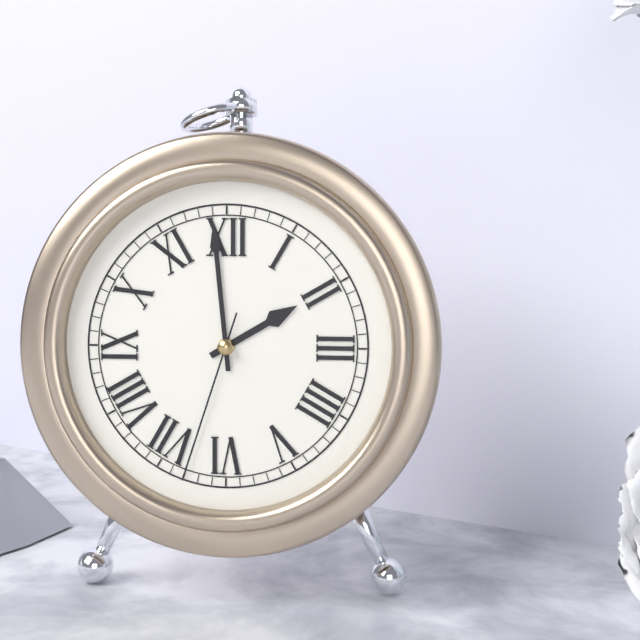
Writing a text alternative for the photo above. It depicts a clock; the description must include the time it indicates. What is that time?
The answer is 1:59:33
